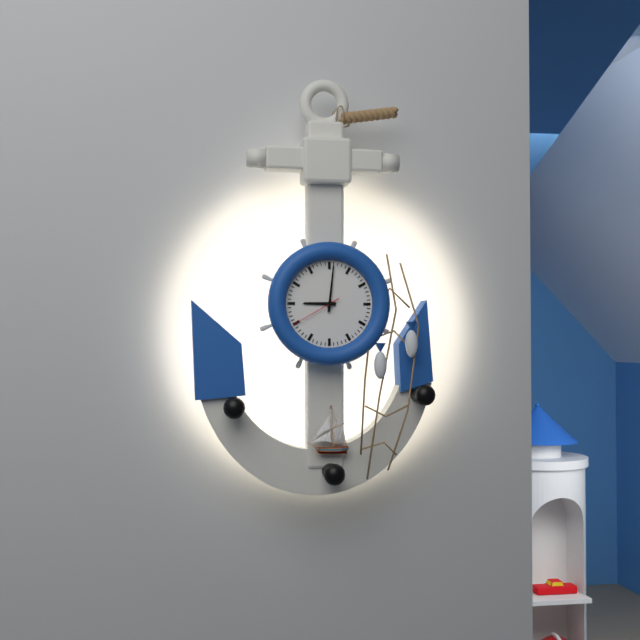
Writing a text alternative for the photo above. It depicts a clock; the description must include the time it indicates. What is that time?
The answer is 9:01:40
